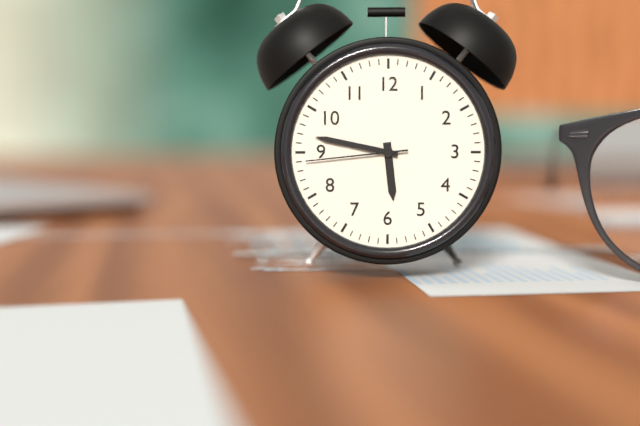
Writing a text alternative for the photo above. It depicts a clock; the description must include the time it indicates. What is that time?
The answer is 5:47:44
